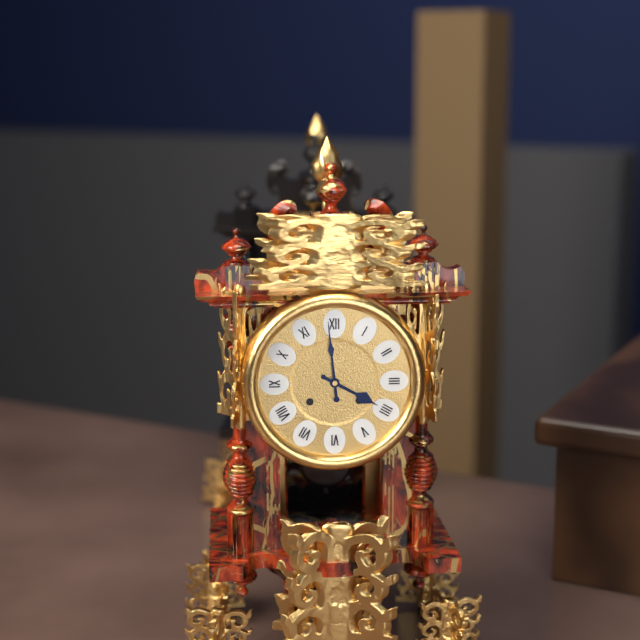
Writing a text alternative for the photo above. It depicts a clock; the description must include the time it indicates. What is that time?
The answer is 3:59
